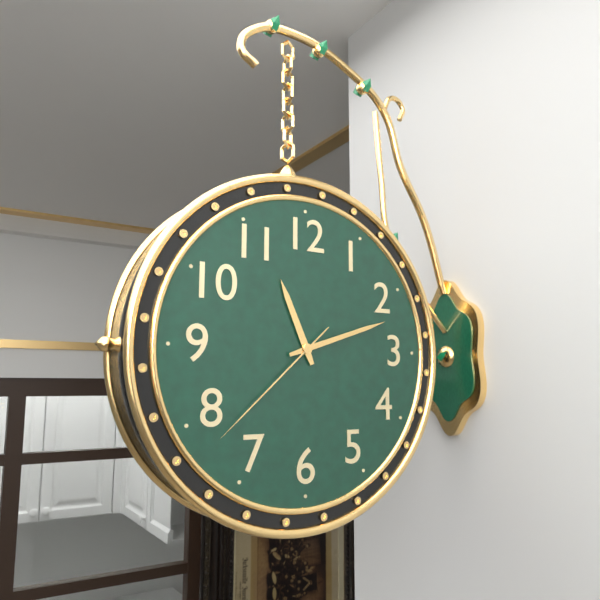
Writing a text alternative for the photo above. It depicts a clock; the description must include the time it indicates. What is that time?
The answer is 11:12:38
